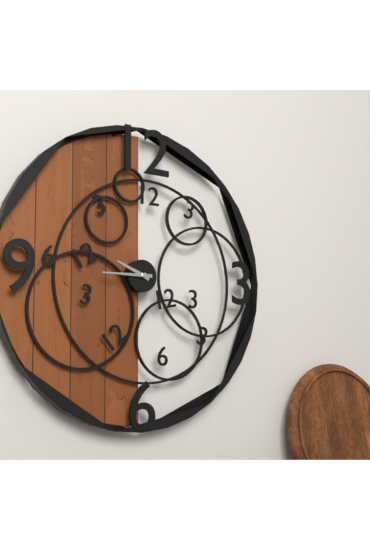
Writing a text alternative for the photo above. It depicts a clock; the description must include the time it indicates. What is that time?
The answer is 9:45
